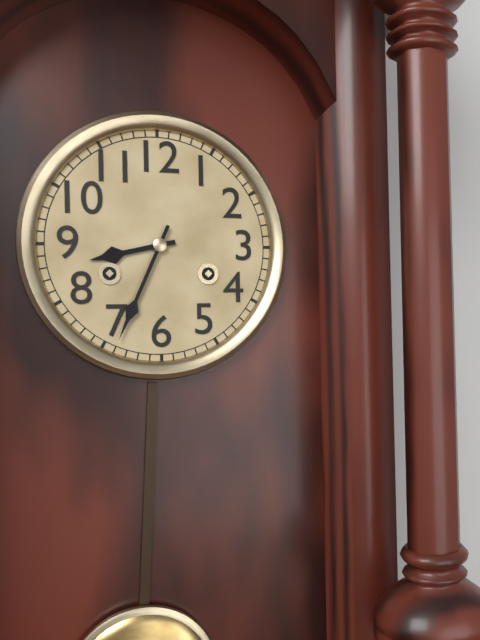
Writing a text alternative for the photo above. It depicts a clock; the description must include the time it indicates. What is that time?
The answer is 8:34
